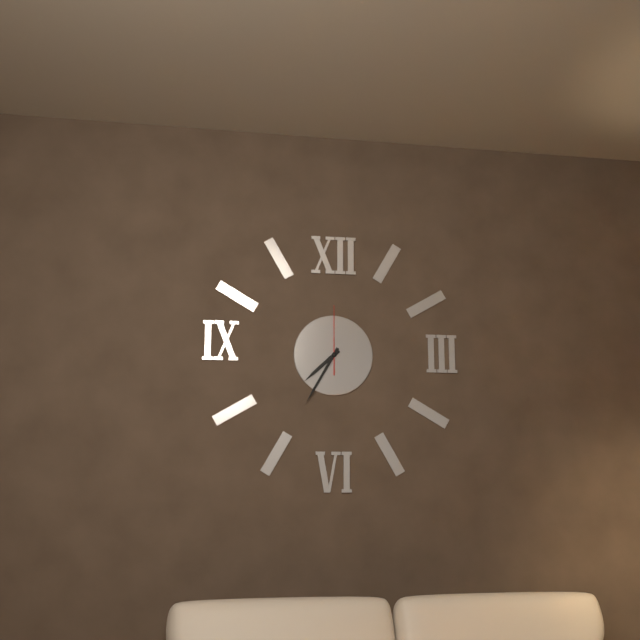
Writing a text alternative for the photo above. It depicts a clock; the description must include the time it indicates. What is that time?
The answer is 7:35:00
